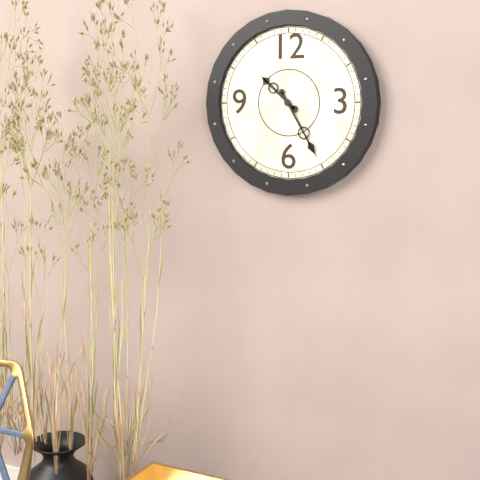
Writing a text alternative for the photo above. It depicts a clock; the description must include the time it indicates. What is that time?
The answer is 10:25
